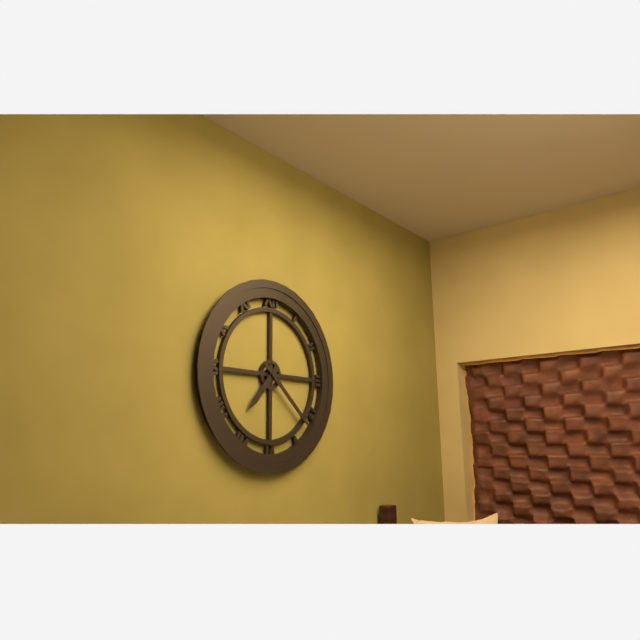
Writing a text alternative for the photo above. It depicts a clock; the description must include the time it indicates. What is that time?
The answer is 7:22
